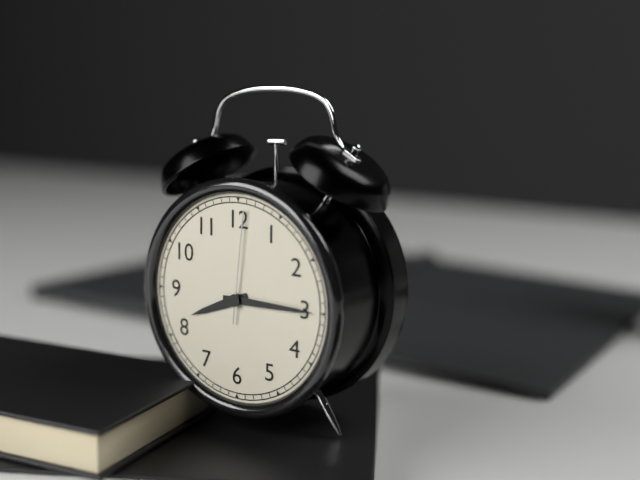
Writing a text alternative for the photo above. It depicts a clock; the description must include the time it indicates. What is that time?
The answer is 8:15:01
